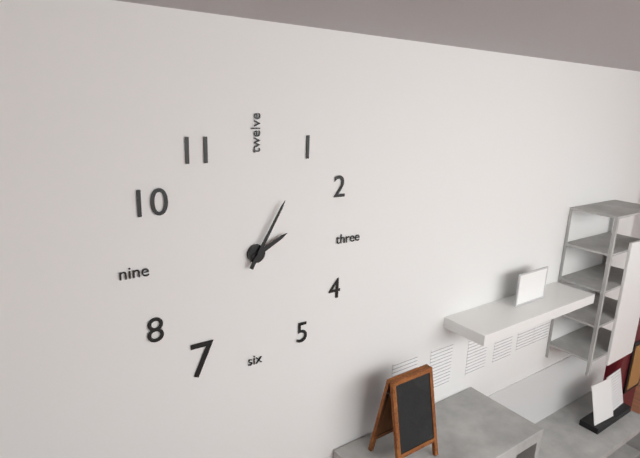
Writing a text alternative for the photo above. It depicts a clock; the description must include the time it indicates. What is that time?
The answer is 2:05
